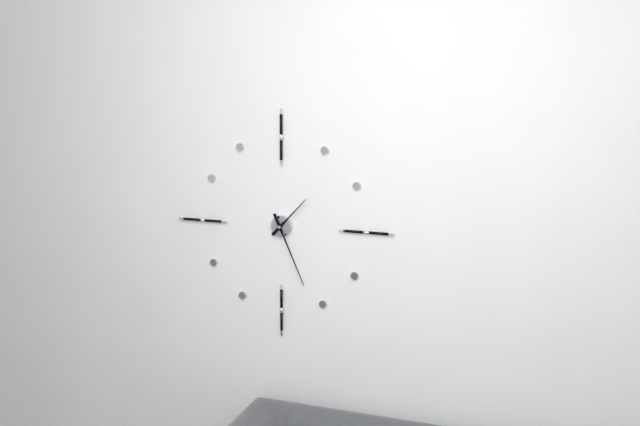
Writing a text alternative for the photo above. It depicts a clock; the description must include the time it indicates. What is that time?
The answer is 1:26
